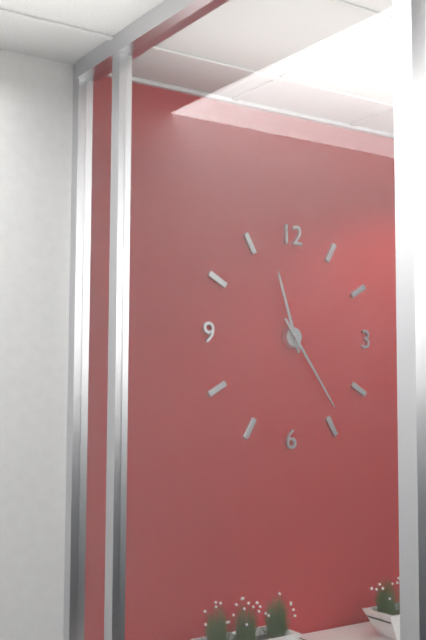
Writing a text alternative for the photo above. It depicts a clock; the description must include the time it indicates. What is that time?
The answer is 11:24
